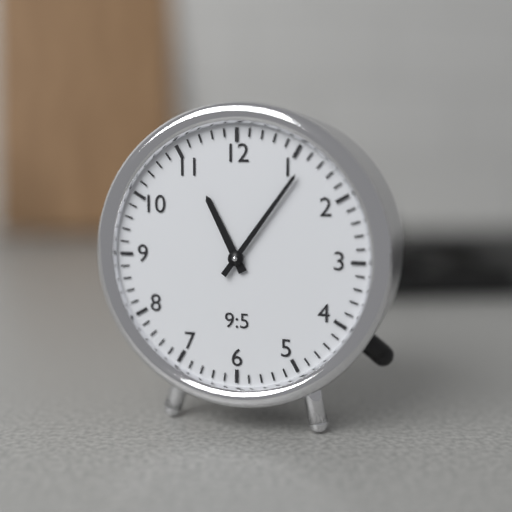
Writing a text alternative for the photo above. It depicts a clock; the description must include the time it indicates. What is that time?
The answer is 11:06
